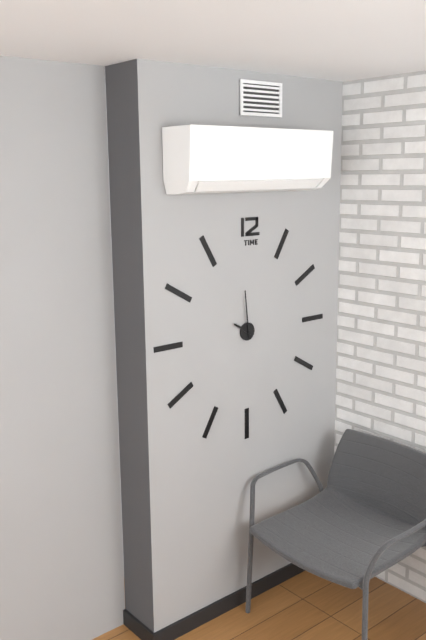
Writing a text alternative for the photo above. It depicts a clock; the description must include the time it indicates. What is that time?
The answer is 9:59
